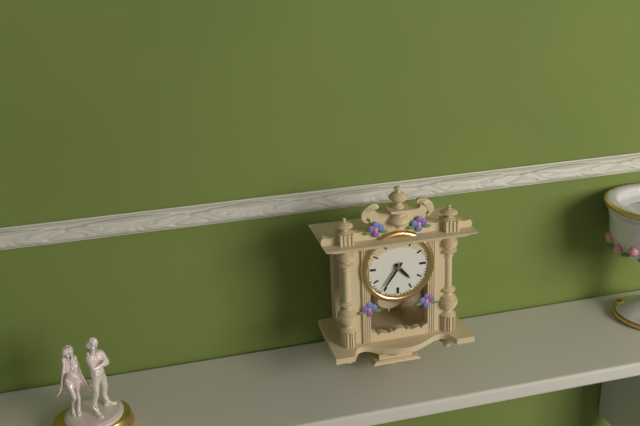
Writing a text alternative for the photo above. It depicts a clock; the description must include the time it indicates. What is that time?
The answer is 4:36
